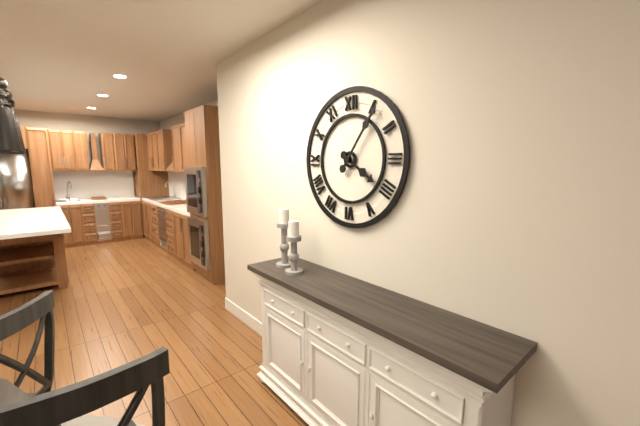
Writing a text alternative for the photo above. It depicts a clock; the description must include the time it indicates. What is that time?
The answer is 4:06
